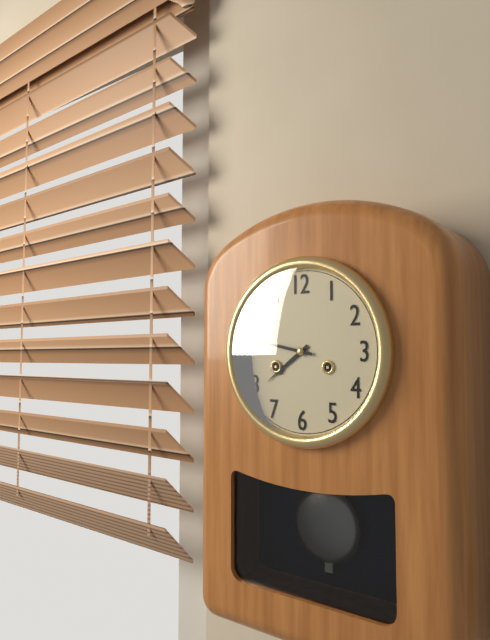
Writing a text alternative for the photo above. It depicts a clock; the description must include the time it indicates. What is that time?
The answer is 7:47
